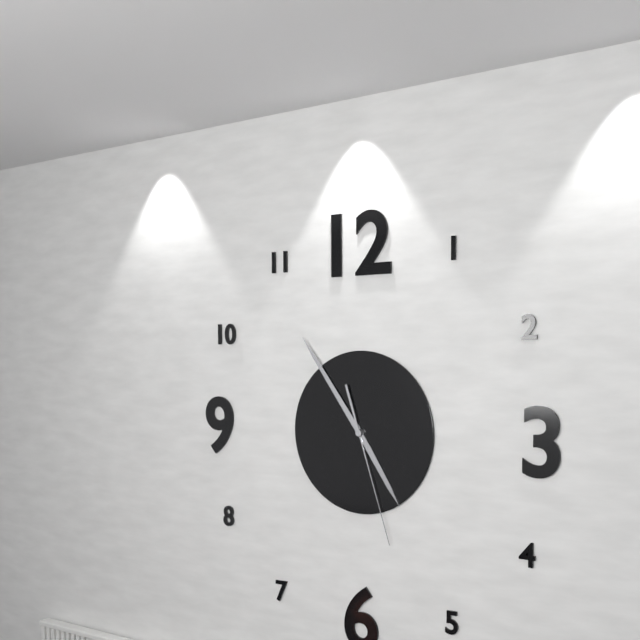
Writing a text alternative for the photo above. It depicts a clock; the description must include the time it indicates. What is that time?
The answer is 4:54:27
